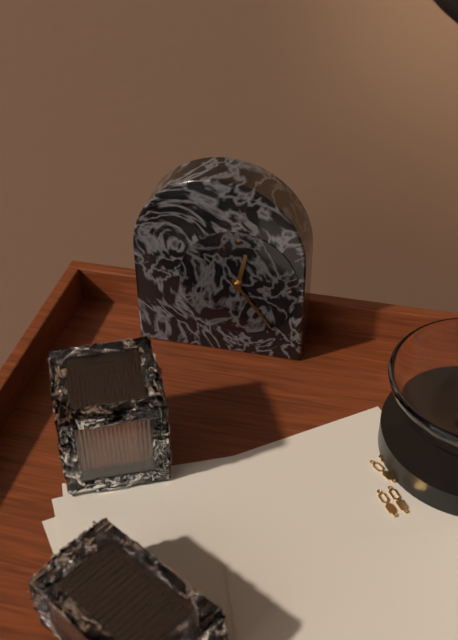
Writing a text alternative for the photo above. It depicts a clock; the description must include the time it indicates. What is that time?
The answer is 12:24
